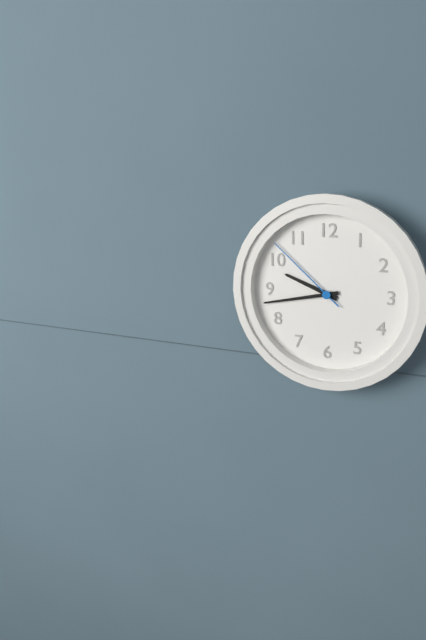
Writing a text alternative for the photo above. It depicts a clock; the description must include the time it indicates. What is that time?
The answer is 9:43:52
